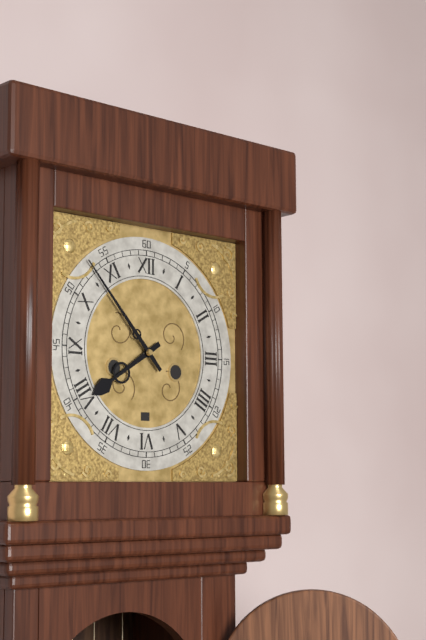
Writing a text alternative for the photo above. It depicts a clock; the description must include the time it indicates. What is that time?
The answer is 7:53
